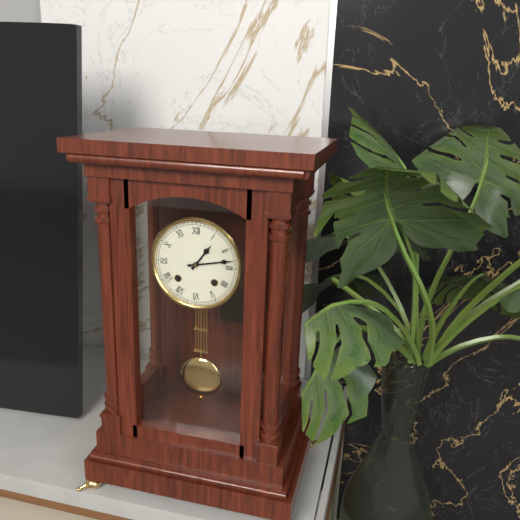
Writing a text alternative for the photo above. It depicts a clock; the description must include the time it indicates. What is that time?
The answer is 1:13
